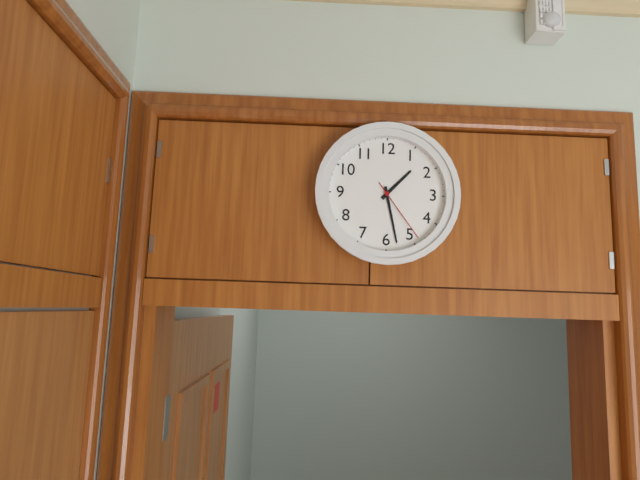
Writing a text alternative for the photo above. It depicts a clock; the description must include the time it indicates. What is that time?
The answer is 1:28:24
